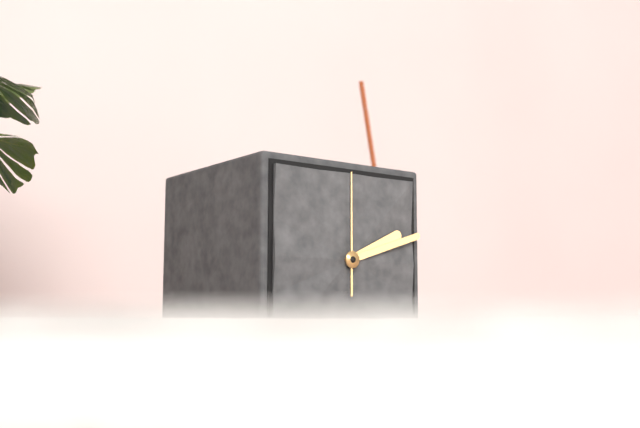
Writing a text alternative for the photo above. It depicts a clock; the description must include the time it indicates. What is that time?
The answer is 2:12:00
